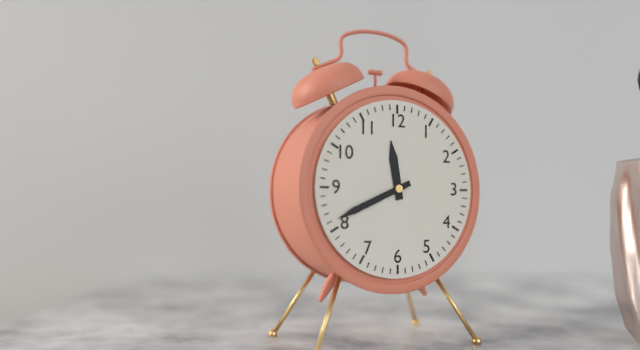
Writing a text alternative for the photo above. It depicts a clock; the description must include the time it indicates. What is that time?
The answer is 11:41
